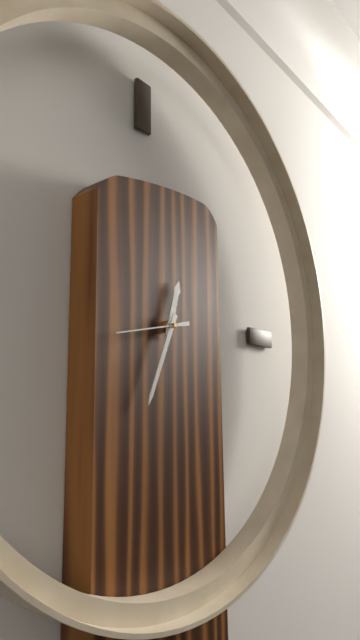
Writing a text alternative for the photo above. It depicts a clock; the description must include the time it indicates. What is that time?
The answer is 12:34
